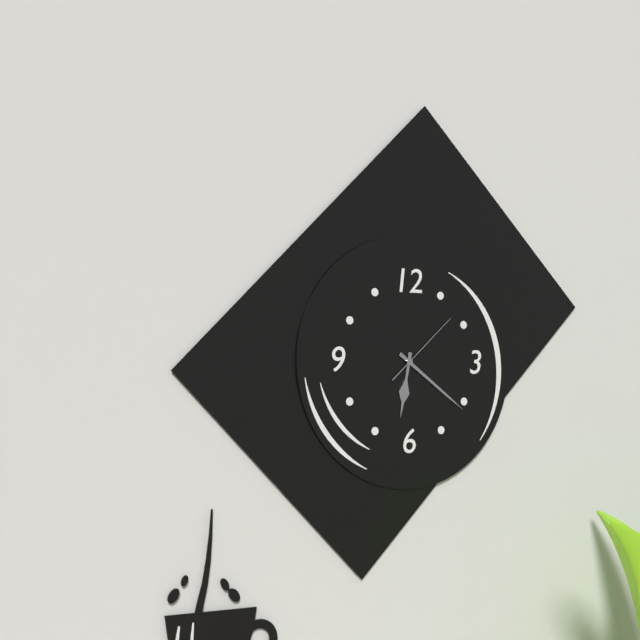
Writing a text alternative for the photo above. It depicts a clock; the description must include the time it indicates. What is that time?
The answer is 6:21:08
